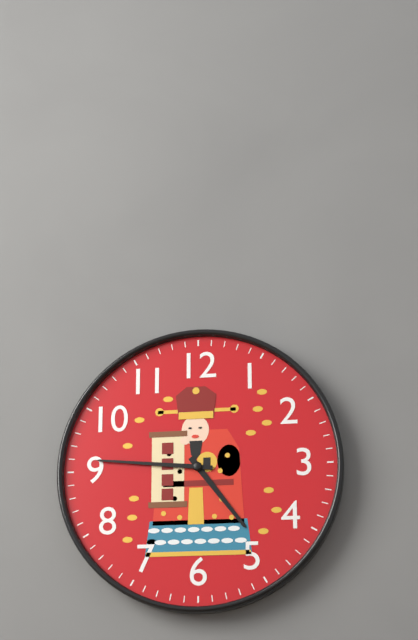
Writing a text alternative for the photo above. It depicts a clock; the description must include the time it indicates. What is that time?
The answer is 4:46
